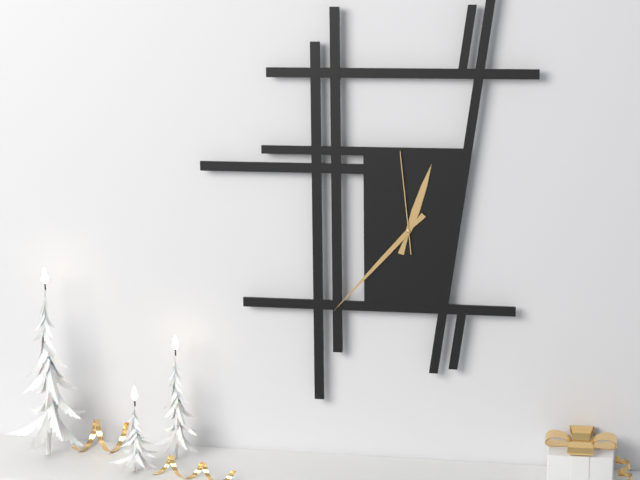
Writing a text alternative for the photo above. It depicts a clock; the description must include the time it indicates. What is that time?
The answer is 12:37:59
